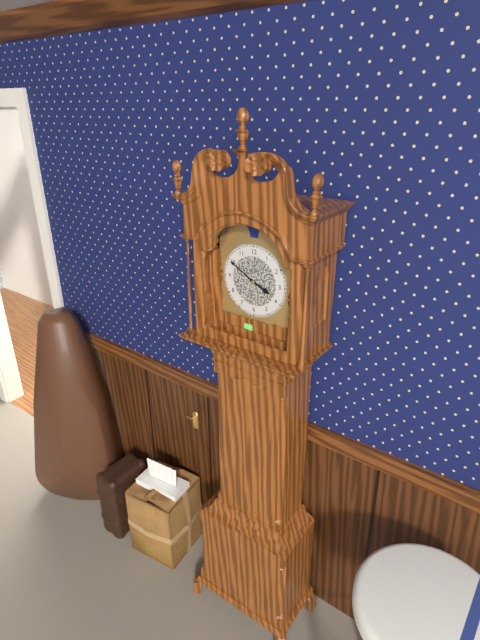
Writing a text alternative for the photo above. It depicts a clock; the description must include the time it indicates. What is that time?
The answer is 3:50
